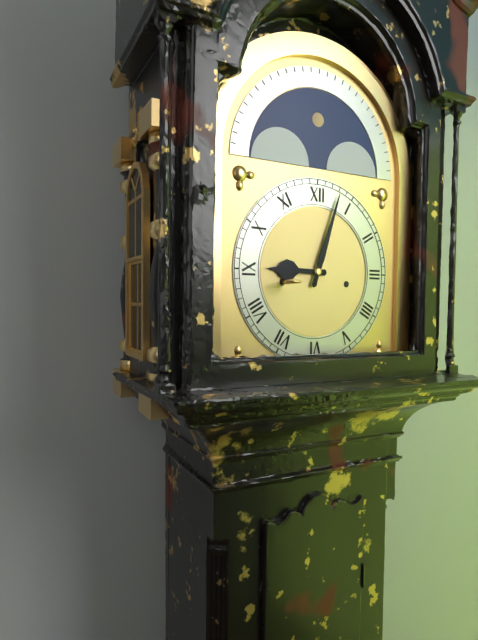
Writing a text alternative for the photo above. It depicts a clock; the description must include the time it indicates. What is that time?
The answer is 9:03
